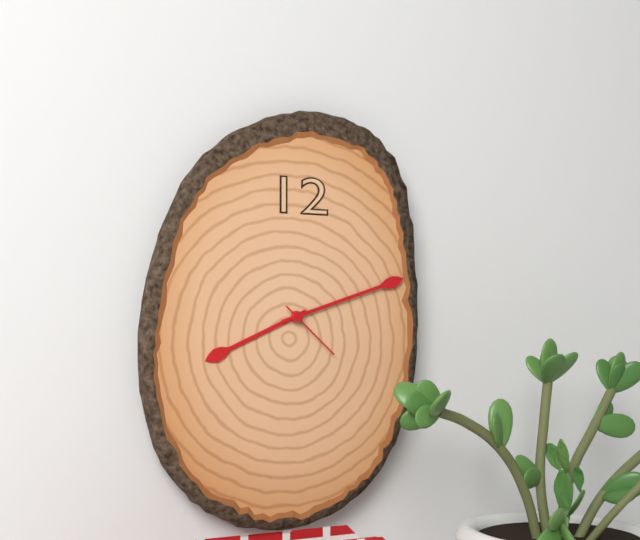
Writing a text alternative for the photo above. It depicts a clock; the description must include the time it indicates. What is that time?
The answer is 8:12:22
